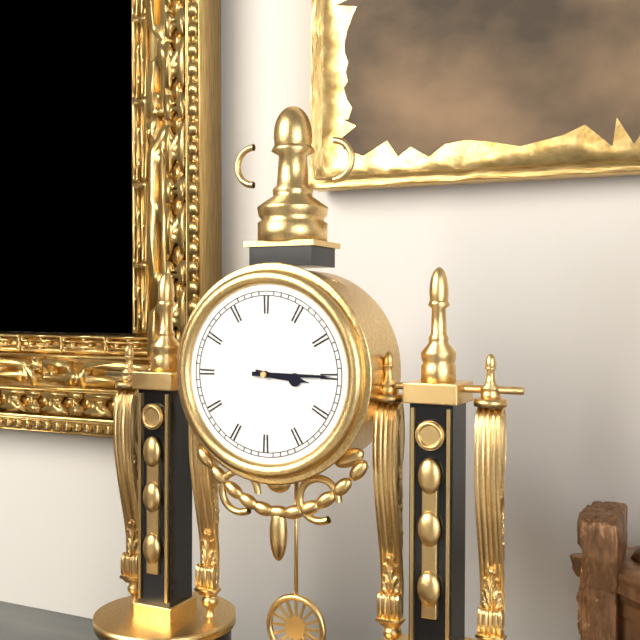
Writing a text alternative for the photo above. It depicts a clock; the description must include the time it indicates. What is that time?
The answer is 3:15
